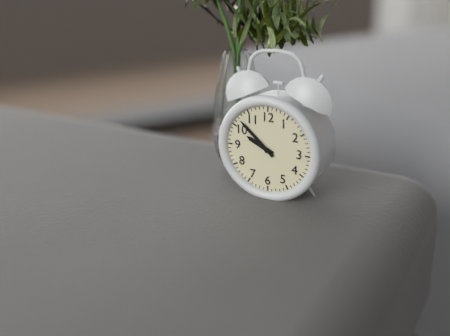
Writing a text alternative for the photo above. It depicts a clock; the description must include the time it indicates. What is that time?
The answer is 9:52
